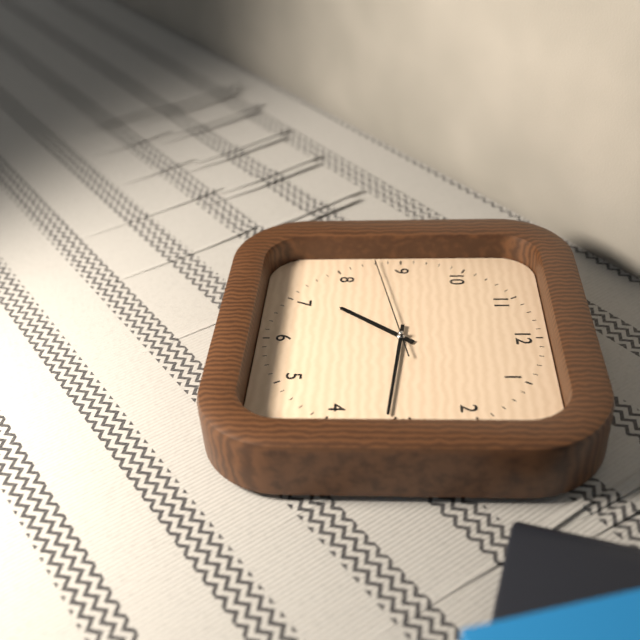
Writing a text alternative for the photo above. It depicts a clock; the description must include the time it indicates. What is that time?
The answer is 7:16:43
